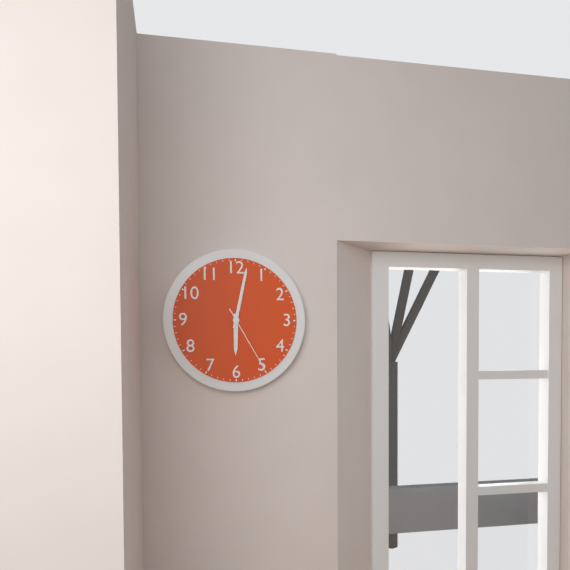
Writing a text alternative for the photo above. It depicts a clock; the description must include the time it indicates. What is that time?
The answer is 6:02:25
